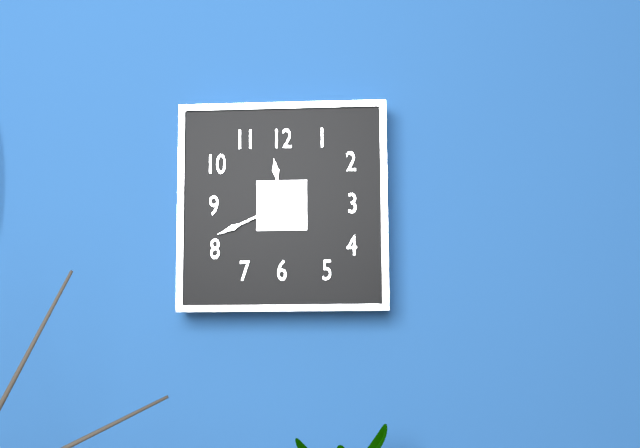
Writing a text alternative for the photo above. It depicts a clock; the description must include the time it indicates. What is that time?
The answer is 11:41
